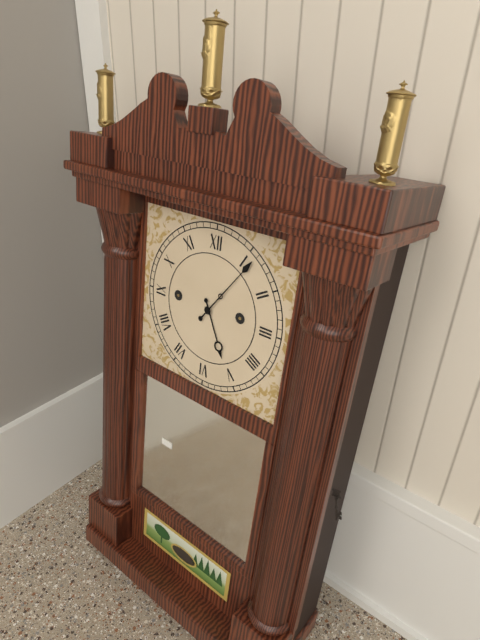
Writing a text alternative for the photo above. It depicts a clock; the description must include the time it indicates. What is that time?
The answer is 5:06
